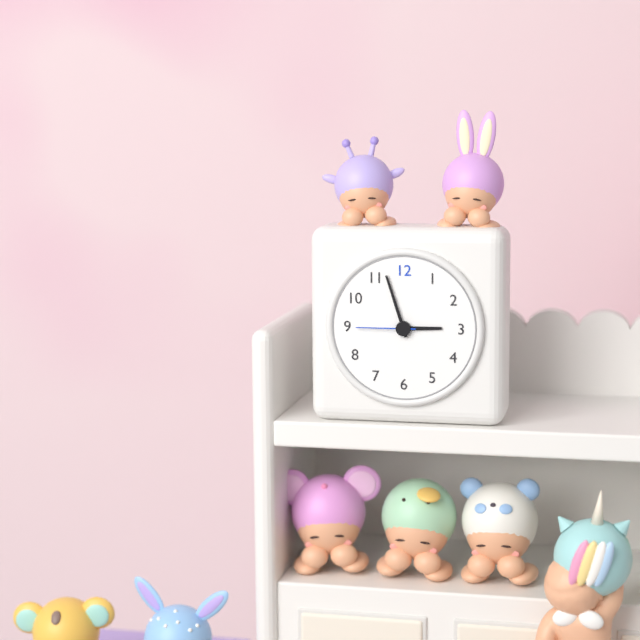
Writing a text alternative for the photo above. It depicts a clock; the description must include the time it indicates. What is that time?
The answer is 2:57:45
